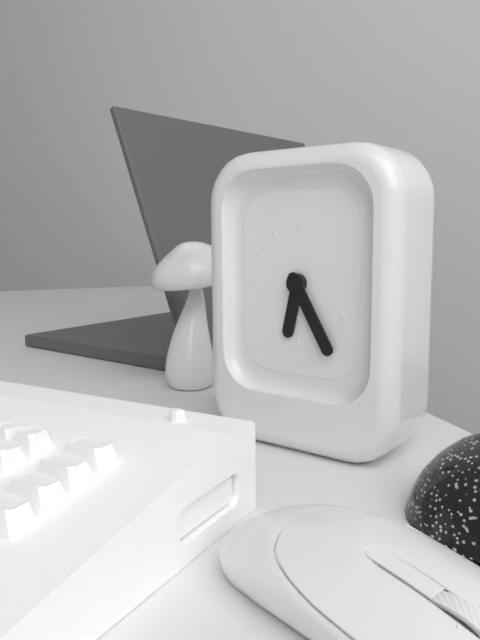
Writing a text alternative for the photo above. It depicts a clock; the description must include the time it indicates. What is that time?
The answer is 6:25
